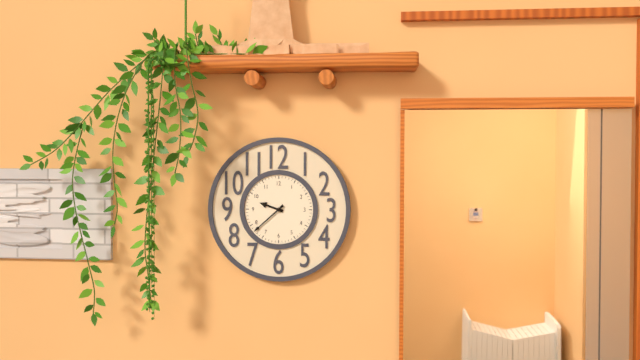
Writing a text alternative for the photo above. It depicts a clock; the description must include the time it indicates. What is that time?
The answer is 9:38
